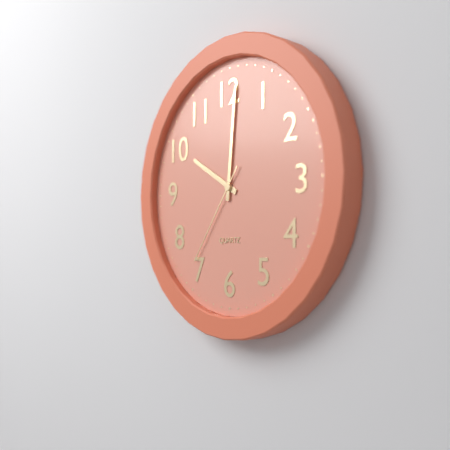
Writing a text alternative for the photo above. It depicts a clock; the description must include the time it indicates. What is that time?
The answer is 10:01:36
